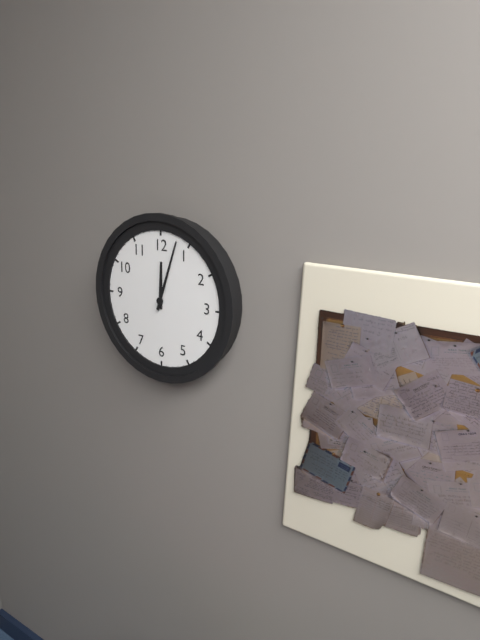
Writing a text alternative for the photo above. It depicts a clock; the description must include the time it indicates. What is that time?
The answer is 12:03
